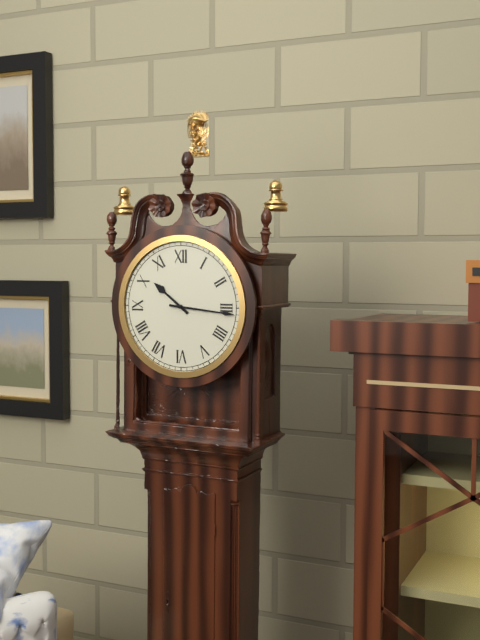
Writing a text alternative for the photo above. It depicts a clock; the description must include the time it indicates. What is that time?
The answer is 10:16
